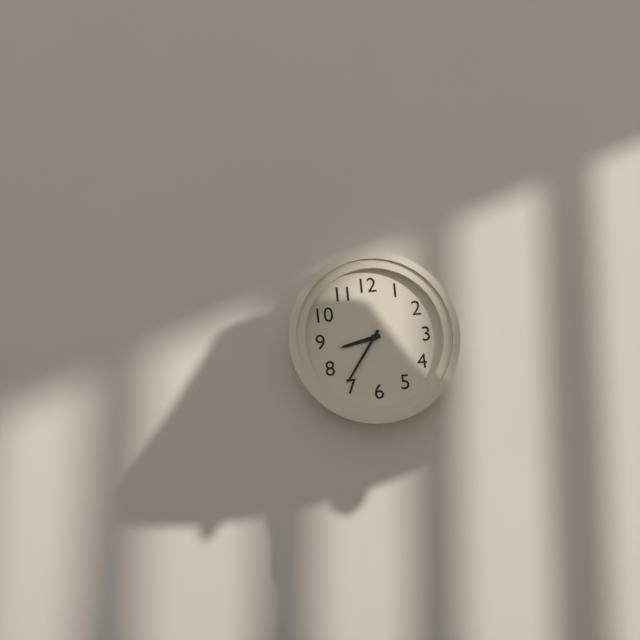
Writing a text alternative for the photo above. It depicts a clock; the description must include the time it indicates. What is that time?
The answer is 8:36
